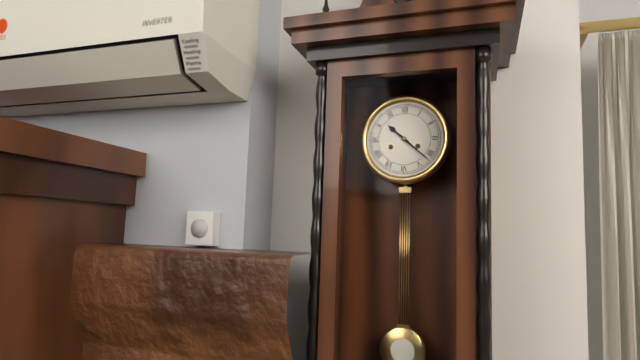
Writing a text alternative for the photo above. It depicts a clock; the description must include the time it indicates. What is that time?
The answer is 10:22
